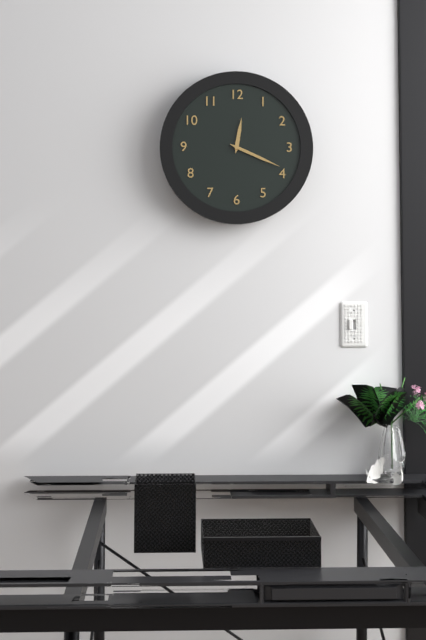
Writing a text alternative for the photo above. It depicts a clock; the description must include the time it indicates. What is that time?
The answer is 12:19
